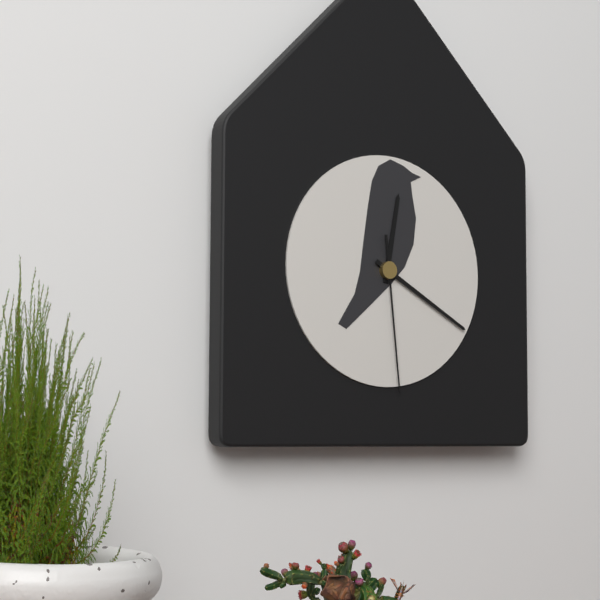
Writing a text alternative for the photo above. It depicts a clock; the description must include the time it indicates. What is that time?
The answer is 12:20:29
